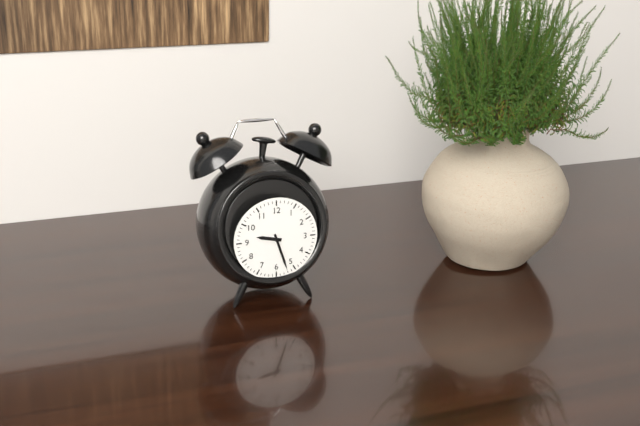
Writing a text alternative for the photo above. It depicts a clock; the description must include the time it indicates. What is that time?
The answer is 9:27
